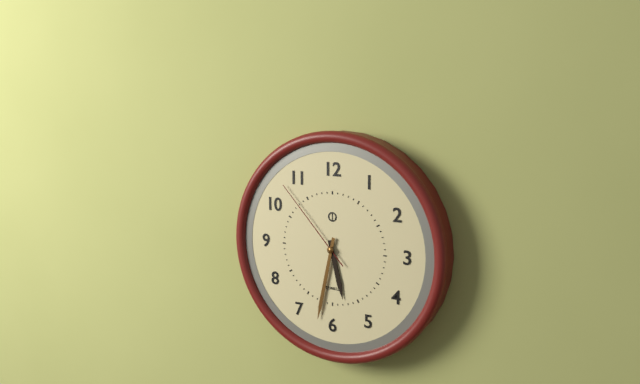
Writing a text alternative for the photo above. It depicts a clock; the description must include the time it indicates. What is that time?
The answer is 5:32:53
